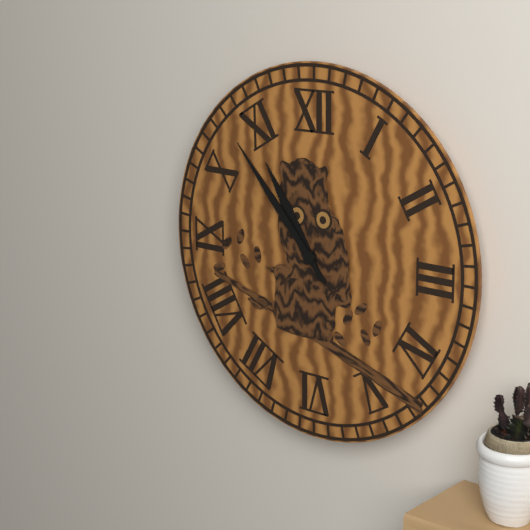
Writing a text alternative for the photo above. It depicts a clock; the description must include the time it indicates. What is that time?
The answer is 10:53
